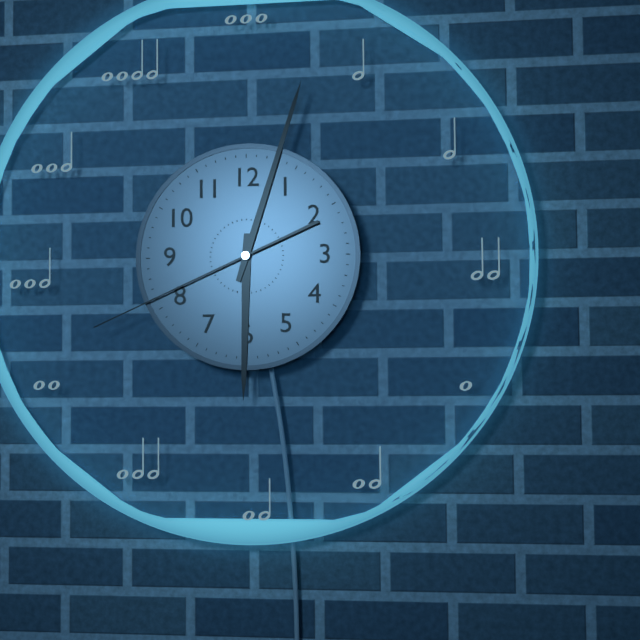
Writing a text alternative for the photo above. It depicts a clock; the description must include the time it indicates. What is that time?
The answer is 6:03:41
